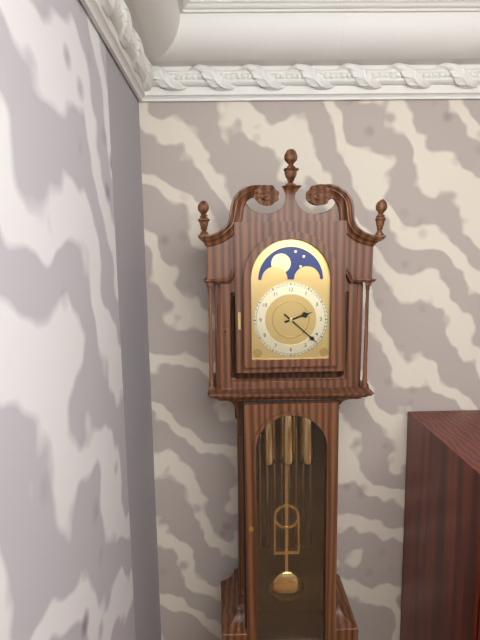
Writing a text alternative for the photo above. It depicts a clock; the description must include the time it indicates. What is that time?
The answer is 2:22
